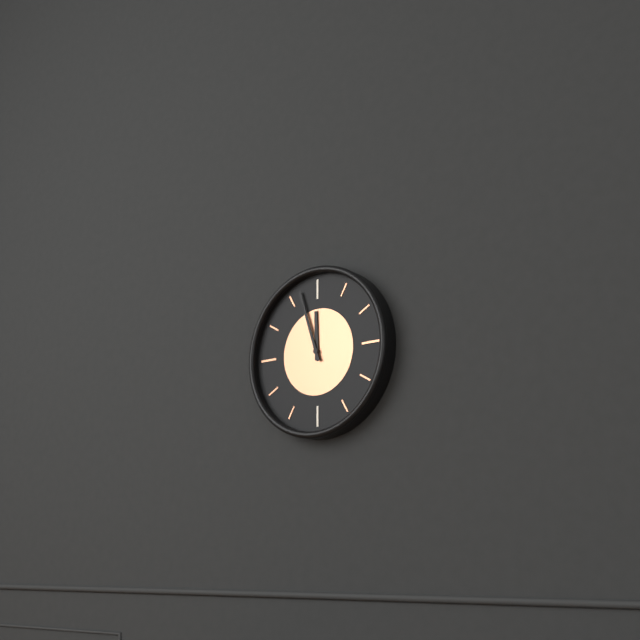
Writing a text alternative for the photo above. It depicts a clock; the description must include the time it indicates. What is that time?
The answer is 11:57
